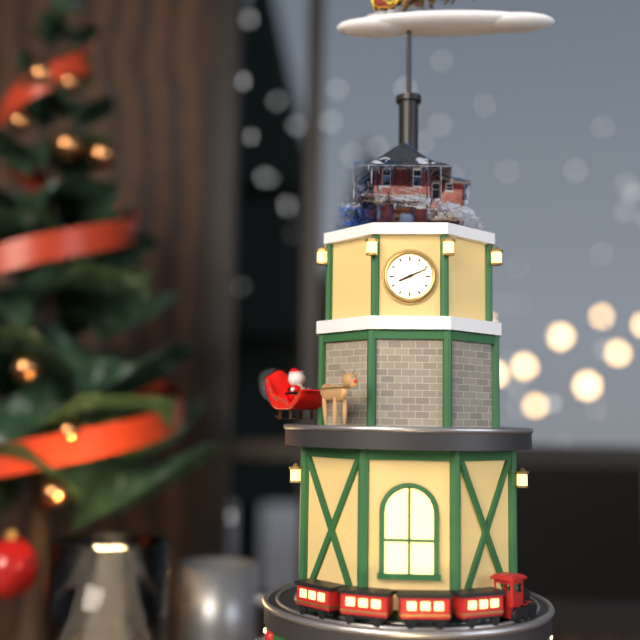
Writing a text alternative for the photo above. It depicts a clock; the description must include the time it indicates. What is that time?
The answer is 8:11
